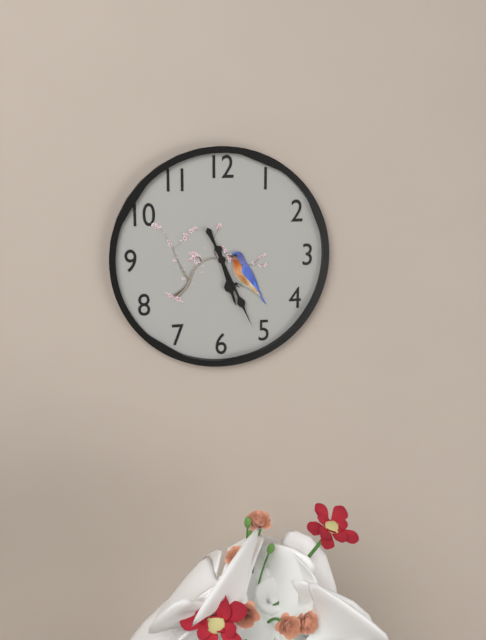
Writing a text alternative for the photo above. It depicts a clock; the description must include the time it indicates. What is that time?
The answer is 5:26
